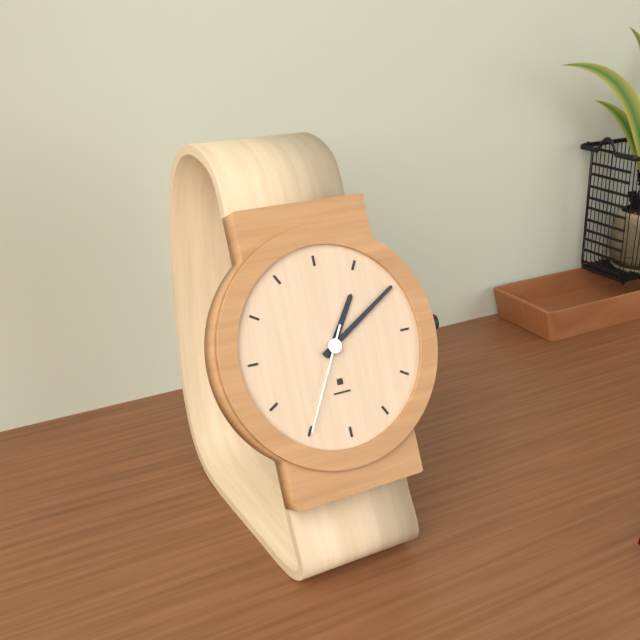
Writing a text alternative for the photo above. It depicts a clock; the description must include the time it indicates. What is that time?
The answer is 1:10:35
